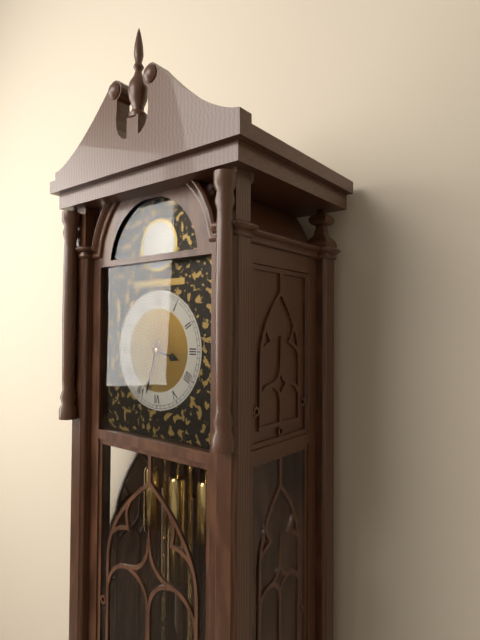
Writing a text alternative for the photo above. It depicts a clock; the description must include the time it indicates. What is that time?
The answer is 3:33
